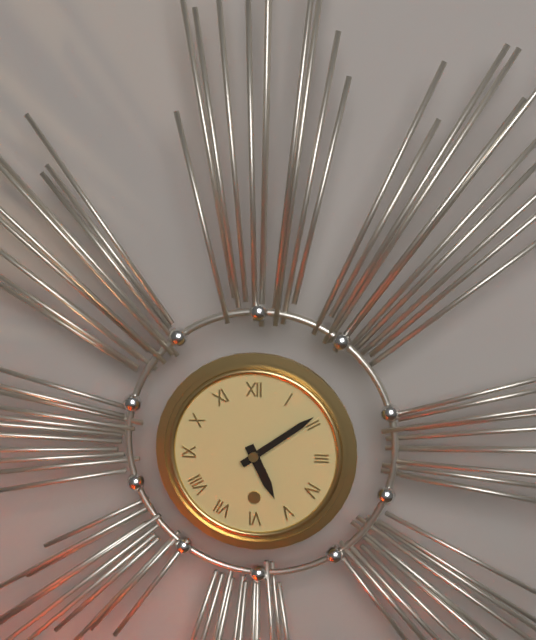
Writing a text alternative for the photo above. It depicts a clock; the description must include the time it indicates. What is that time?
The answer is 5:09
